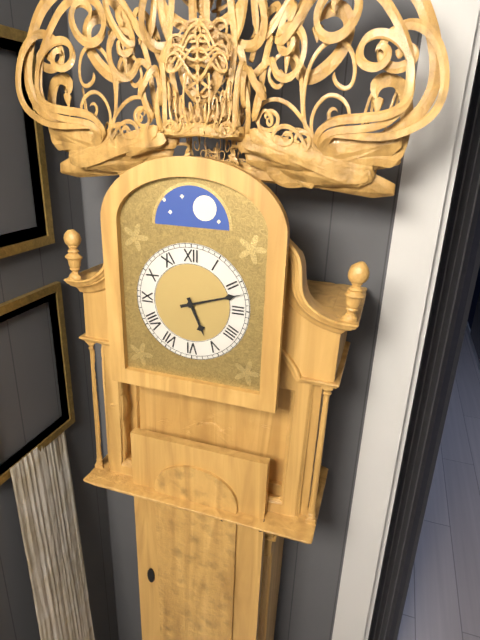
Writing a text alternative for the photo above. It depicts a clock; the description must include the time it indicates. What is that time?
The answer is 5:12
